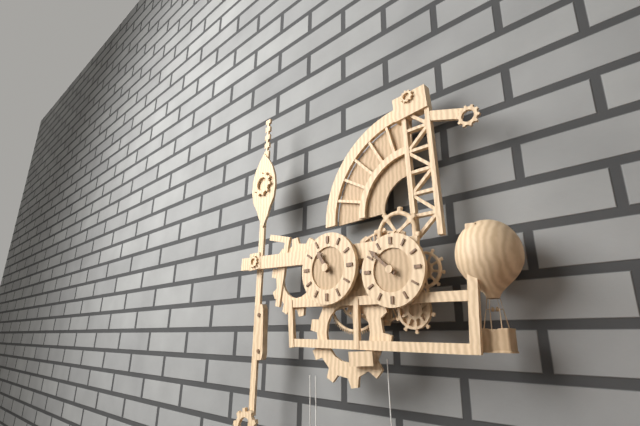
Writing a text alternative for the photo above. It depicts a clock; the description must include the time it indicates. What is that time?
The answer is 10:52
